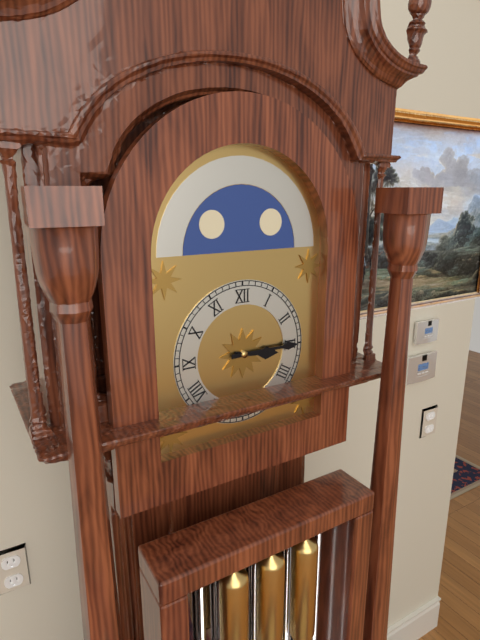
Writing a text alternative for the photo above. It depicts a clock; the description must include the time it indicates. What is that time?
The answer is 3:15
